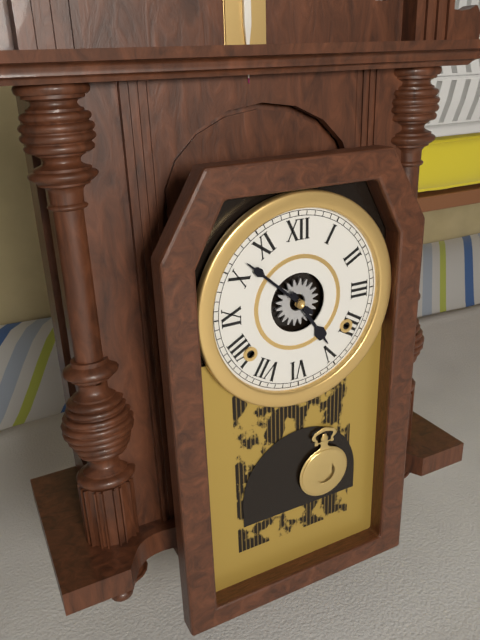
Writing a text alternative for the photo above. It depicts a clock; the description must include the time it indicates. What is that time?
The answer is 4:52
